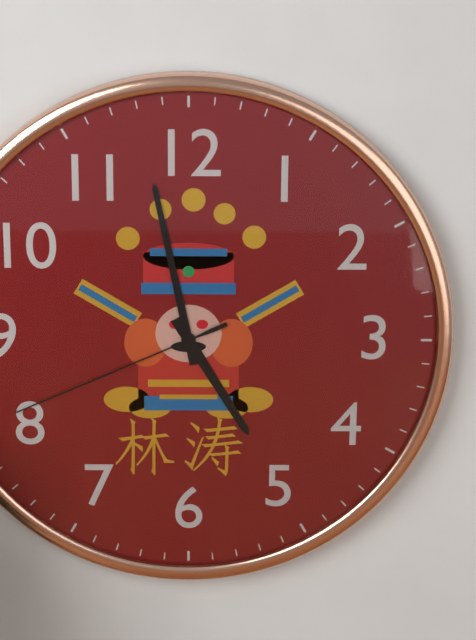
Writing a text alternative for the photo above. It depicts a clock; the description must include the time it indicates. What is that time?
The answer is 4:58:41
